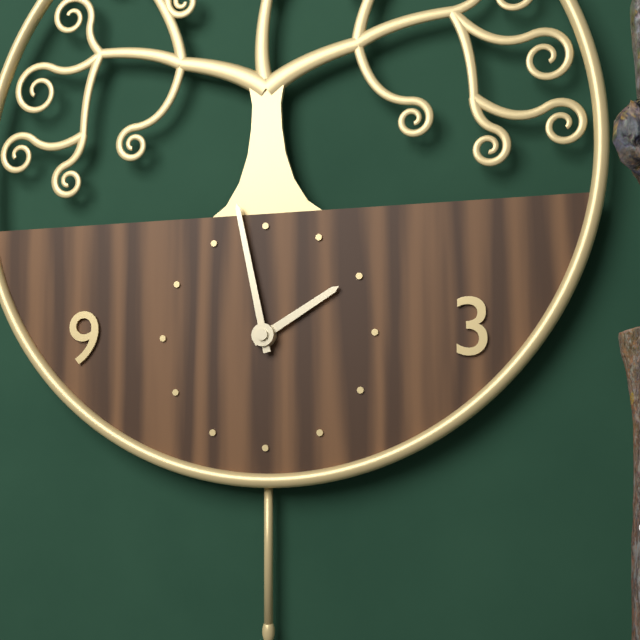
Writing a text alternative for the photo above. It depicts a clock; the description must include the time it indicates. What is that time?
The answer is 1:58
